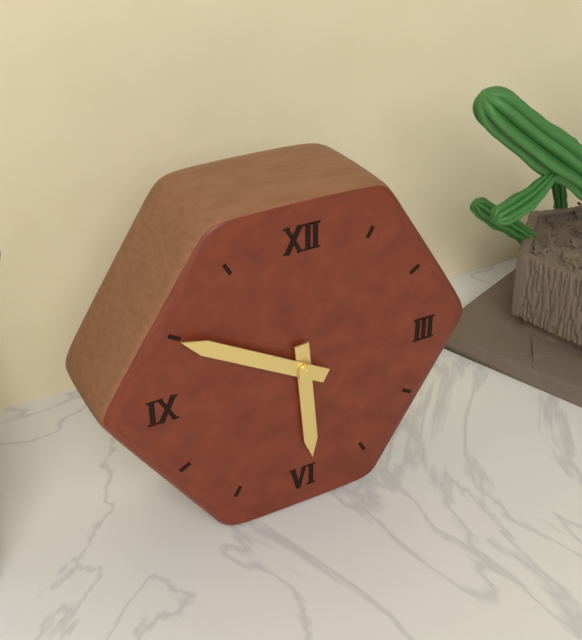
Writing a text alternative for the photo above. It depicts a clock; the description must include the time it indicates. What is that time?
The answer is 5:50
